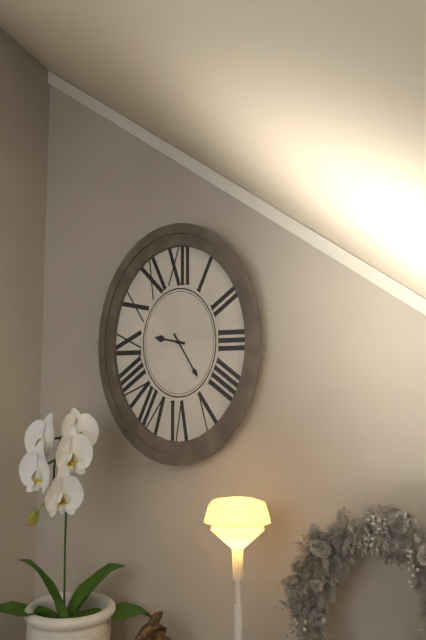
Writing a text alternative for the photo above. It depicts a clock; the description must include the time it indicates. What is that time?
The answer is 9:25
